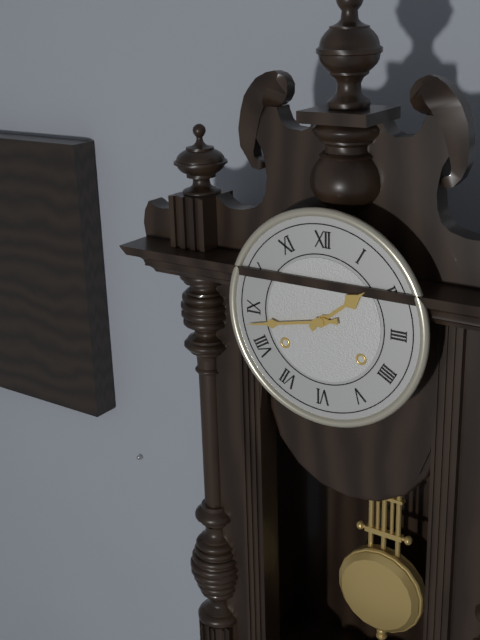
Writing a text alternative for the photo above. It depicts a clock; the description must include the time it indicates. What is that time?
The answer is 1:43
